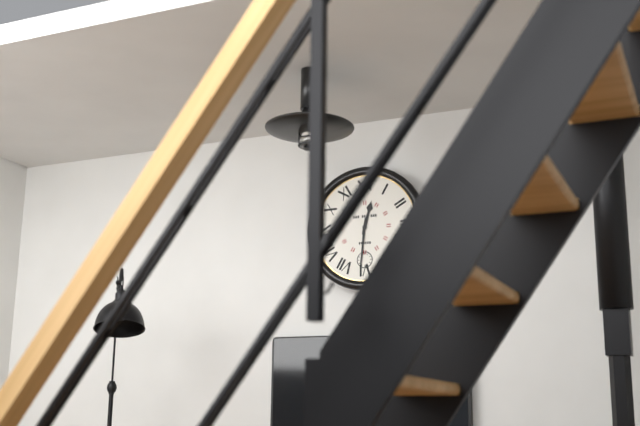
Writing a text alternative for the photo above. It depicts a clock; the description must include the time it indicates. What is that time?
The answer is 12:31
